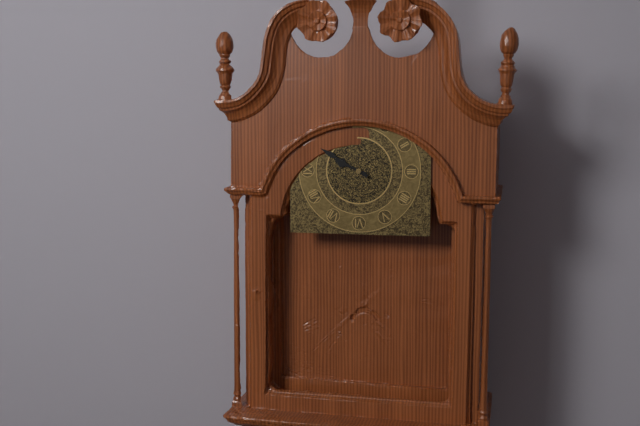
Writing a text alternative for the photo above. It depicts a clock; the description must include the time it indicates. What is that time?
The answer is 9:50
